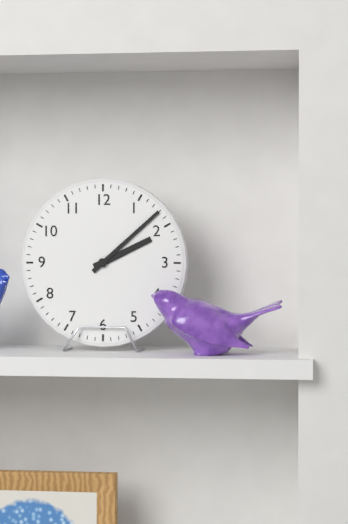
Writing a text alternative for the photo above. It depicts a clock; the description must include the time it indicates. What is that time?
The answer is 2:08
